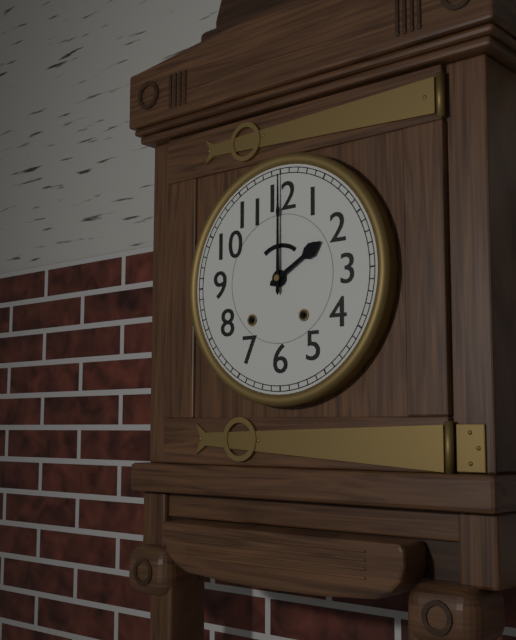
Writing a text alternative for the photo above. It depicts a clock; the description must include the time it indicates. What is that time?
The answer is 2:00
